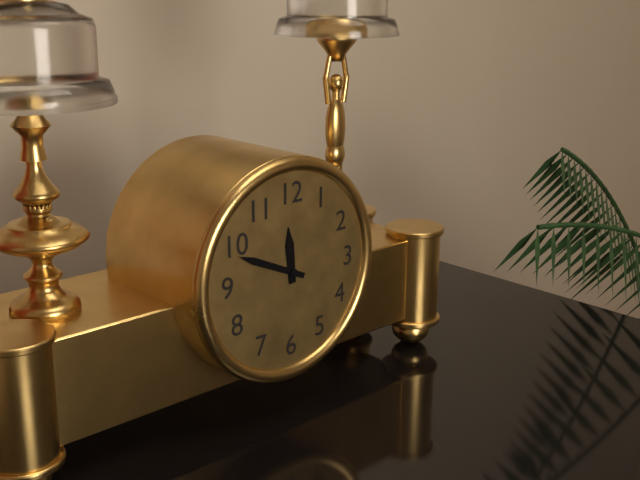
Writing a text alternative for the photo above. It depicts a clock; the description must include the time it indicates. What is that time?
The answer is 11:49
